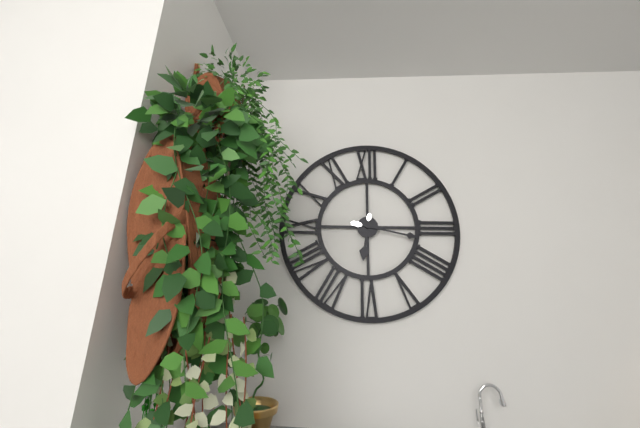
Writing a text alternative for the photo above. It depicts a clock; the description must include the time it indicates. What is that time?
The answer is 6:17
